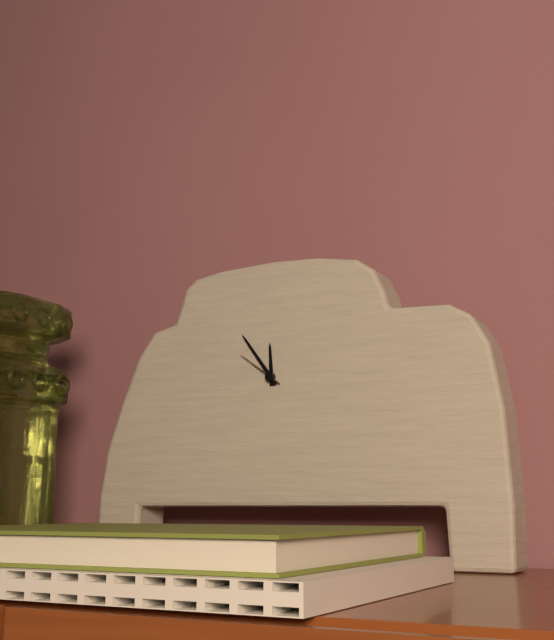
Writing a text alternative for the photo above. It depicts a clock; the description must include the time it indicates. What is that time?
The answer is 11:54:51
